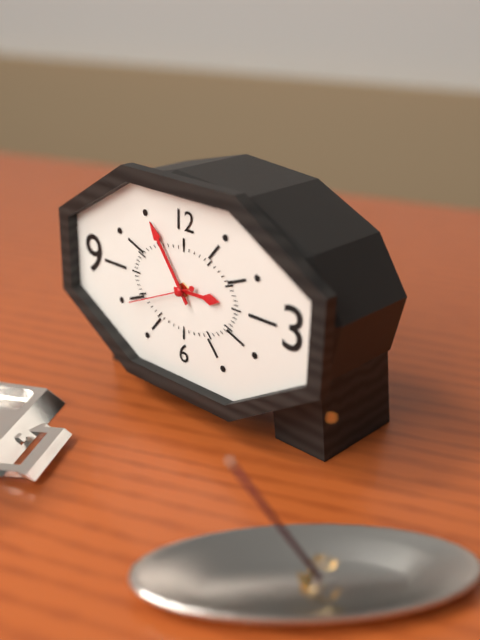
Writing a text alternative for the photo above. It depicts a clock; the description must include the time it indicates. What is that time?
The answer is 2:54:41
